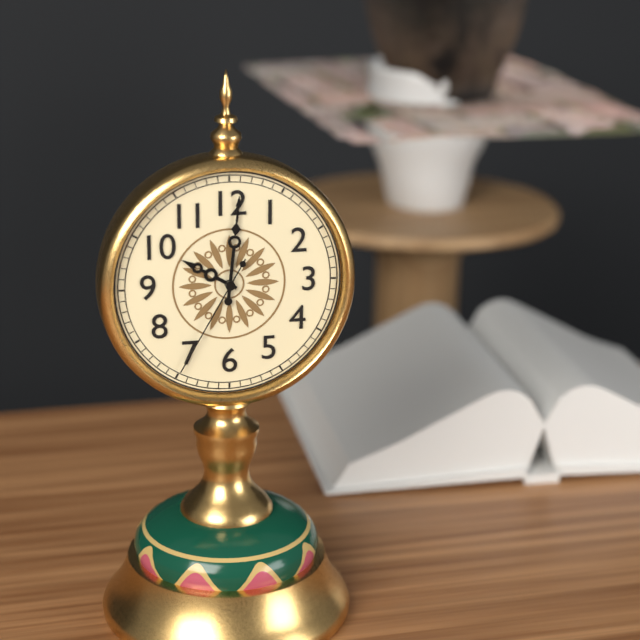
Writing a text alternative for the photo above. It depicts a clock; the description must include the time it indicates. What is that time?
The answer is 10:01:35
